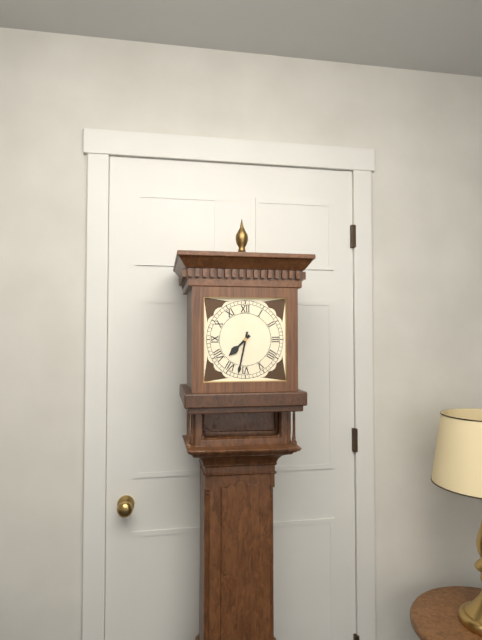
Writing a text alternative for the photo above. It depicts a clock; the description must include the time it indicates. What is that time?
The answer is 7:32
